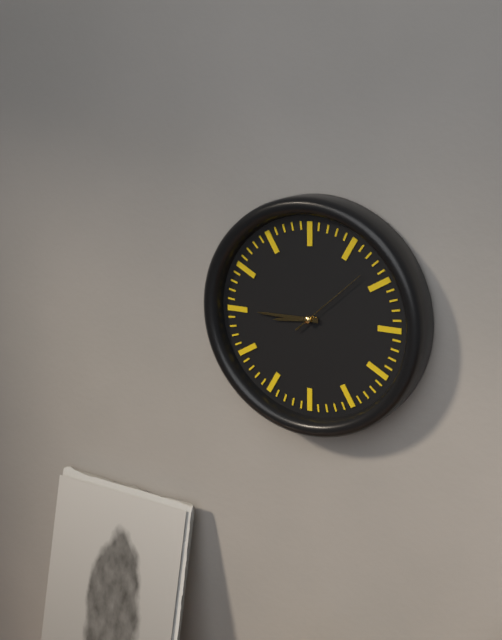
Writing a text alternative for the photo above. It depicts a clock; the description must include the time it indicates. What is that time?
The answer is 8:45:08
